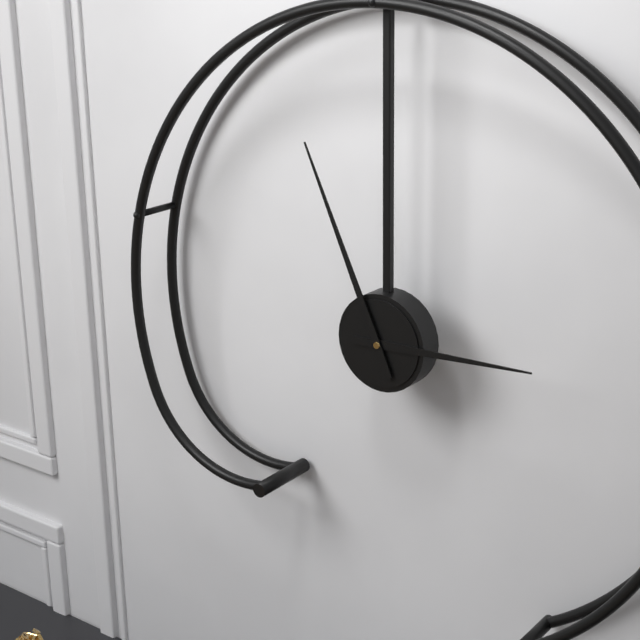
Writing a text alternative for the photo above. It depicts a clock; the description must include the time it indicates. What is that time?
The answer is 2:56
